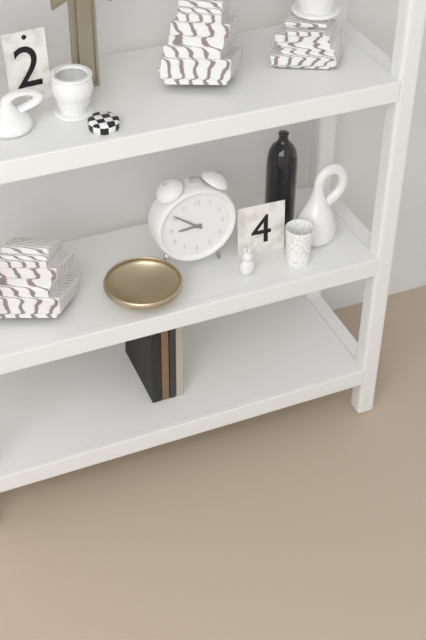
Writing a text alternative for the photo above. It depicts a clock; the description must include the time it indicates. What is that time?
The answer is 8:51
